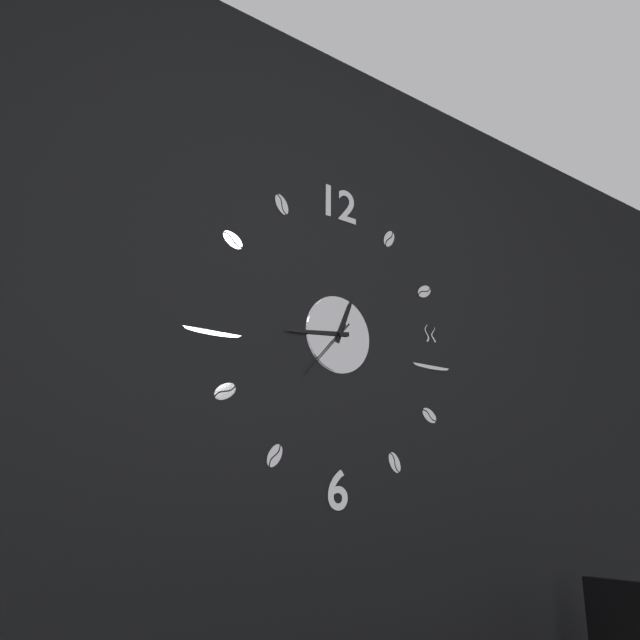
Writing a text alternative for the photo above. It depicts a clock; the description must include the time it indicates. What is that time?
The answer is 12:44:37
